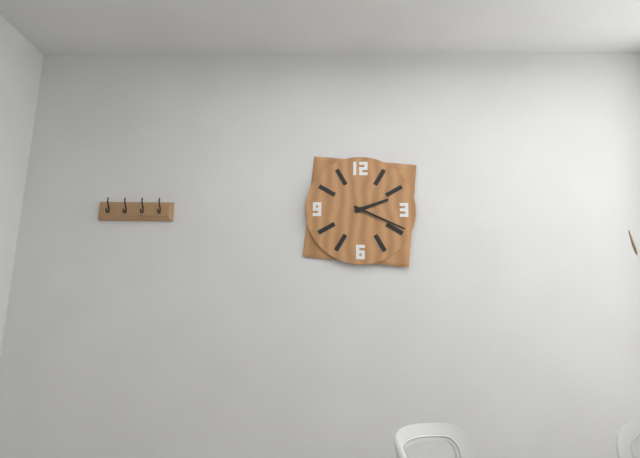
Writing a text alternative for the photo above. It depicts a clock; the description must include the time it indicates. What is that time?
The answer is 2:19
